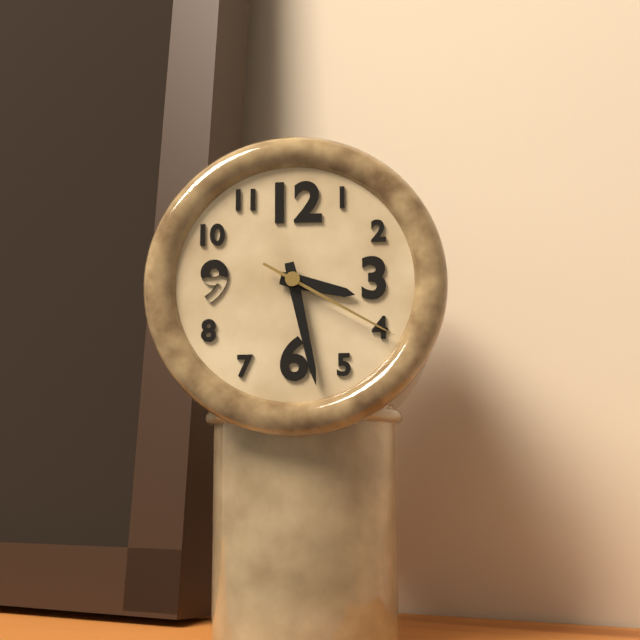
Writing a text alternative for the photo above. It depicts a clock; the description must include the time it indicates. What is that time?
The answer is 3:28:20
